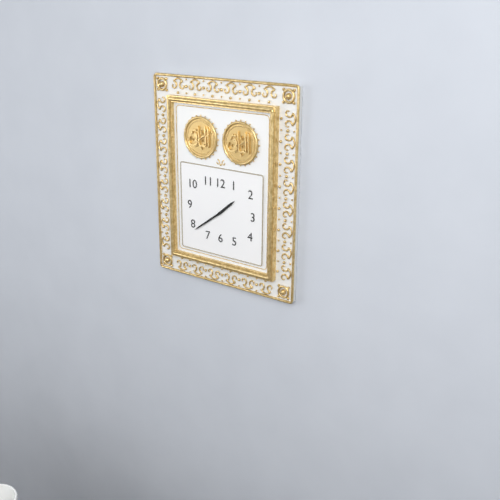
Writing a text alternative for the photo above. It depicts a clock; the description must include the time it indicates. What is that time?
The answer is 1:39
